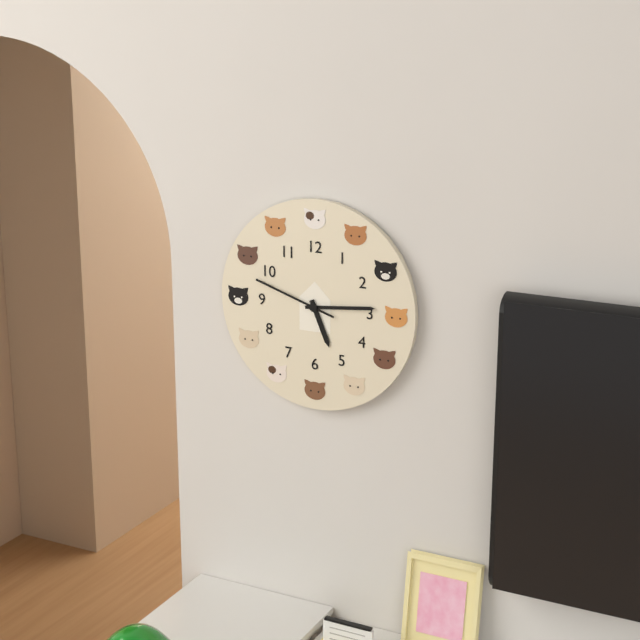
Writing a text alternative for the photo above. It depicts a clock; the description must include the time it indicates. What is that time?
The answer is 5:14:48
